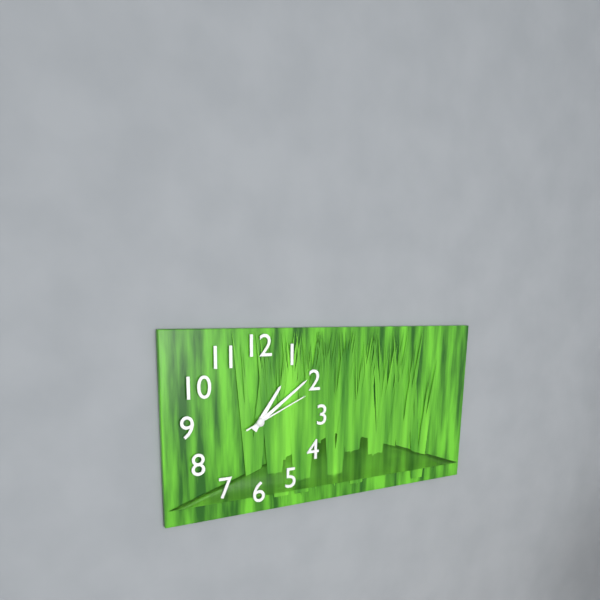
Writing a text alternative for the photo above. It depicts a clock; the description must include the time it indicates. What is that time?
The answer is 1:09:11
